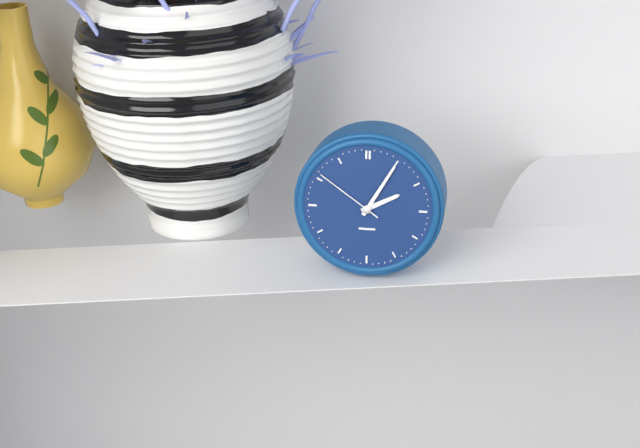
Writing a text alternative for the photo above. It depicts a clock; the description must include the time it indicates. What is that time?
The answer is 2:05:51
